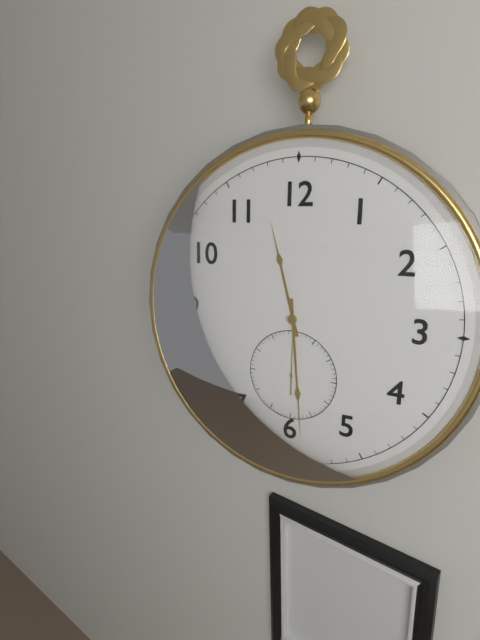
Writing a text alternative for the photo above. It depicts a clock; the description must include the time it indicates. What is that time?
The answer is 11:29
